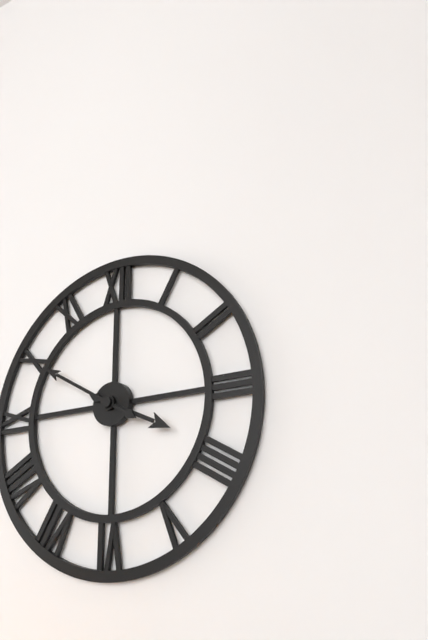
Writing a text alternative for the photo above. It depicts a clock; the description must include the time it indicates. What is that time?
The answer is 3:50
